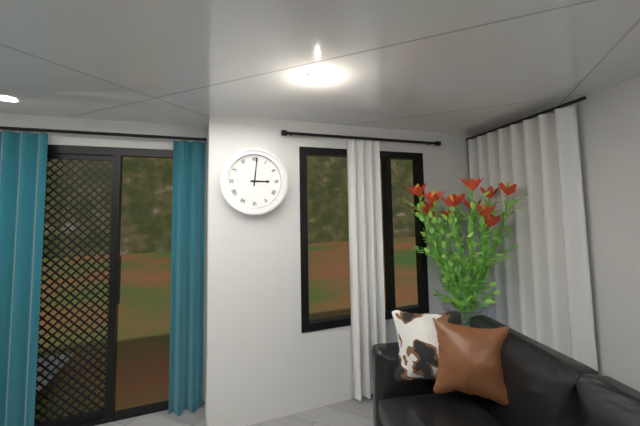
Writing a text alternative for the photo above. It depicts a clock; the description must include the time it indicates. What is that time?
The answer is 3:01
